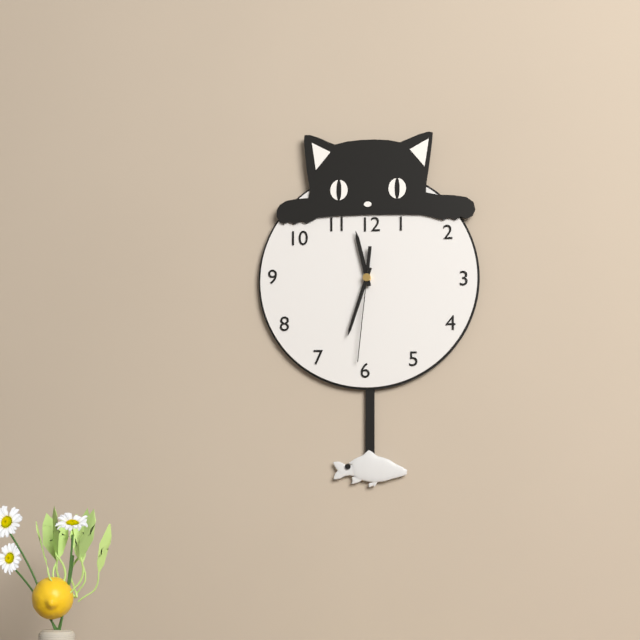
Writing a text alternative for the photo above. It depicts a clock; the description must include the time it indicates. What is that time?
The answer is 11:33:31
